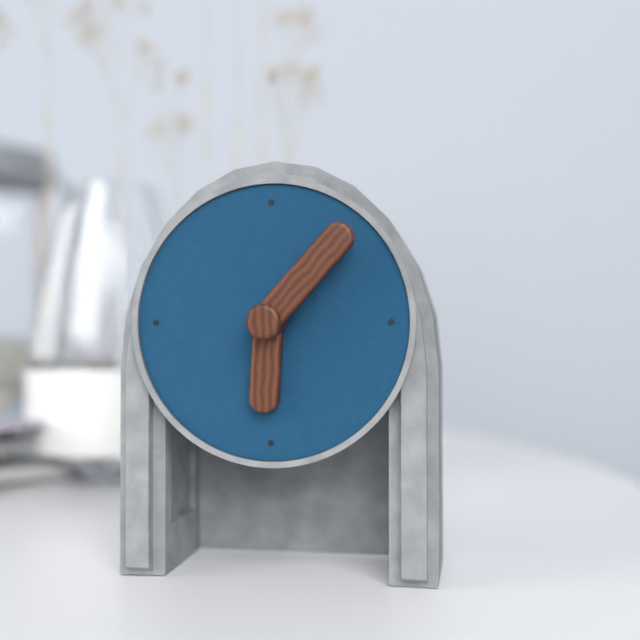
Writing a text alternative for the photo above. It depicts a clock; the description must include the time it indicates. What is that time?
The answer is 6:07
